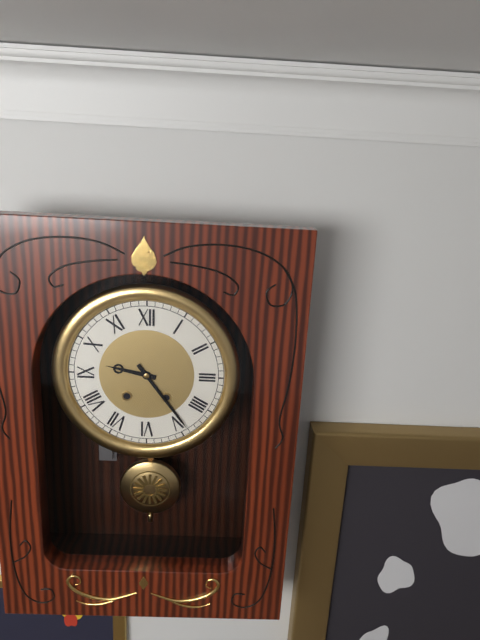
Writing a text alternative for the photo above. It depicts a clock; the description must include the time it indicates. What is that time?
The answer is 9:24
